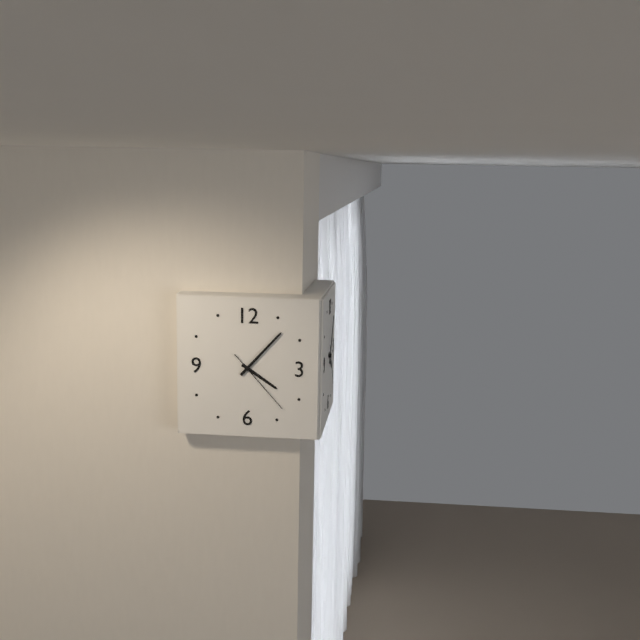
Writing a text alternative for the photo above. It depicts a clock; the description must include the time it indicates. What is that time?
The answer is 4:07:23
